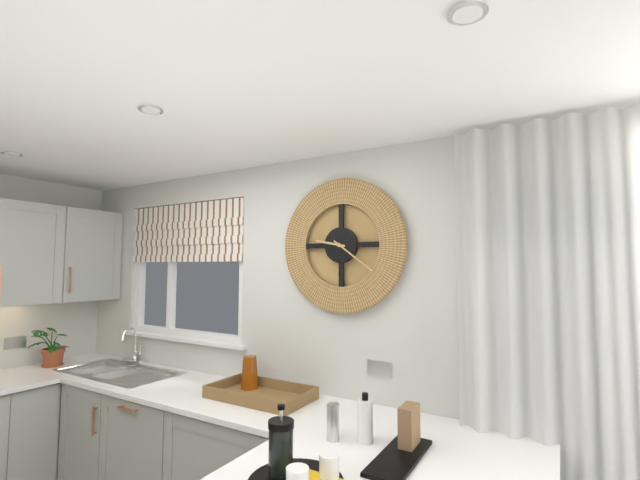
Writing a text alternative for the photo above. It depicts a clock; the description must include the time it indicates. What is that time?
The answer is 9:21
